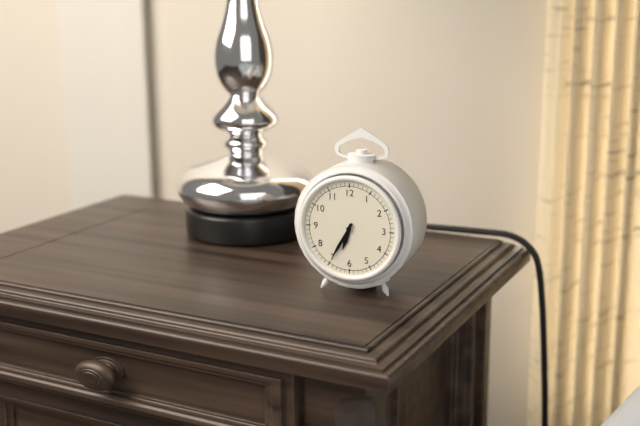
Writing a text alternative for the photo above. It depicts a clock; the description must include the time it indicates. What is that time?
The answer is 6:35
